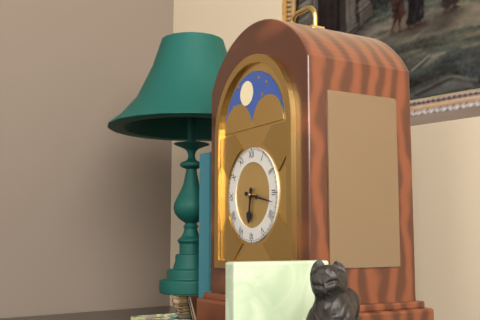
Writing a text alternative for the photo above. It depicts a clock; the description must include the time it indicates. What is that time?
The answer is 6:17
